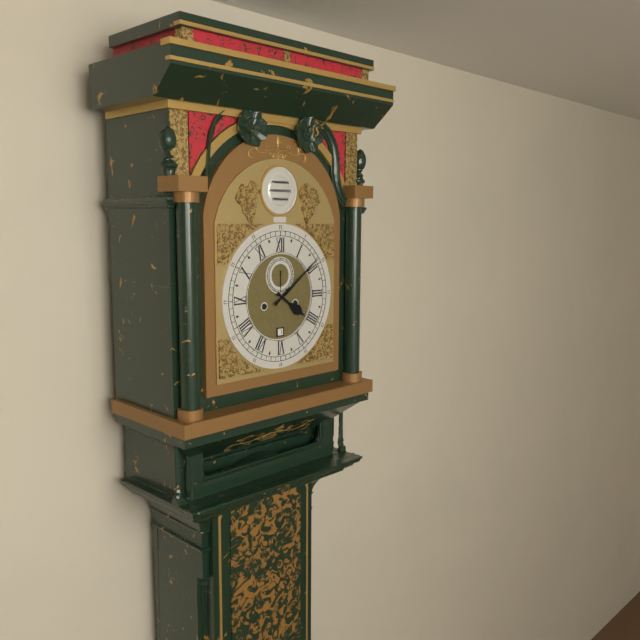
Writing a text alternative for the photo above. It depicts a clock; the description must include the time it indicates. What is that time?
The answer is 4:09
